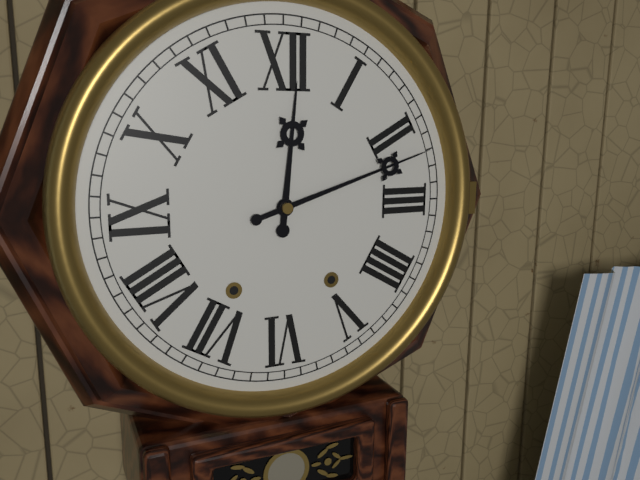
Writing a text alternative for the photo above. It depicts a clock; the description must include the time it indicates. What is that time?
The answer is 12:12
